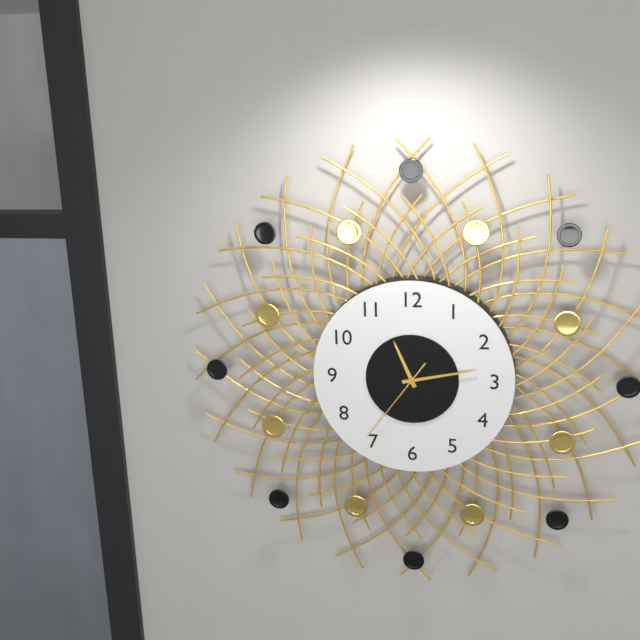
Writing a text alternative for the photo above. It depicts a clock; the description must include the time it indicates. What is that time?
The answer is 11:13:36
